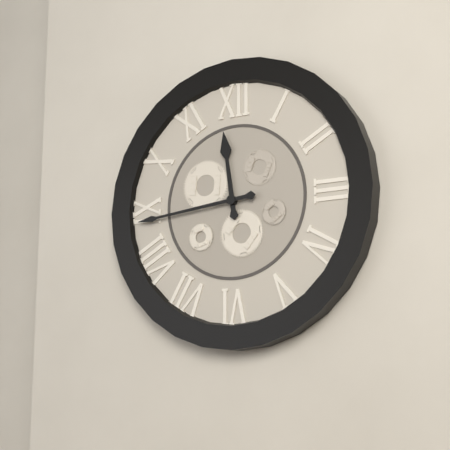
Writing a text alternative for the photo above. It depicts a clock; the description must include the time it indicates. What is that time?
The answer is 11:44
